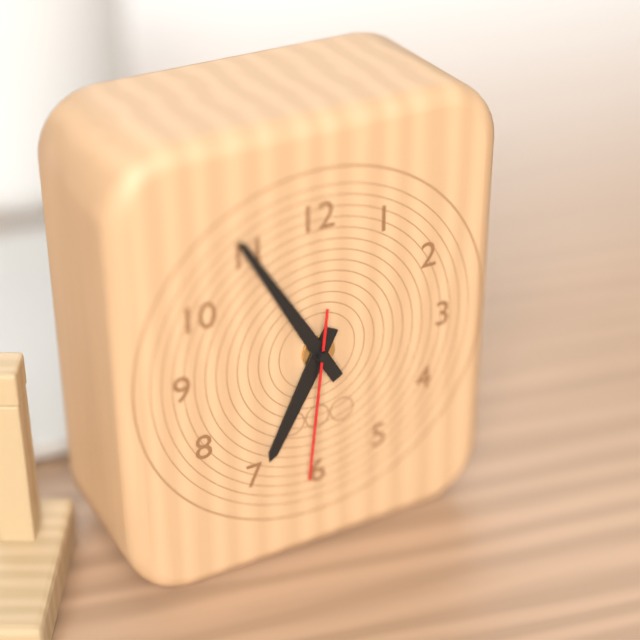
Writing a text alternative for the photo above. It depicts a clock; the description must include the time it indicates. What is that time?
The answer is 6:55:31
